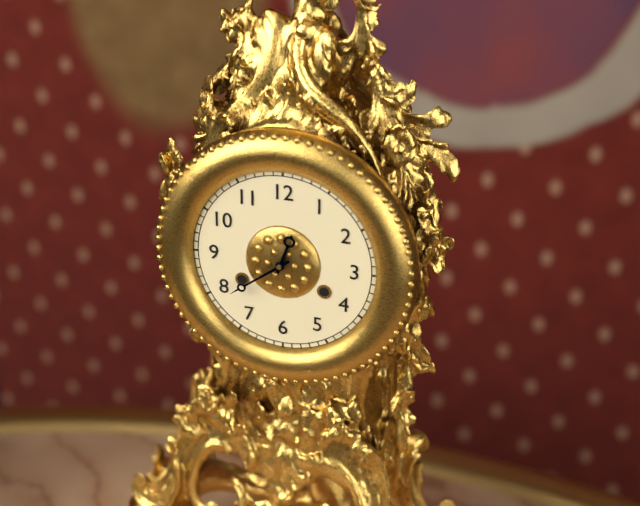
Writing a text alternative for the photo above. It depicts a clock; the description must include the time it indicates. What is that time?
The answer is 12:39
